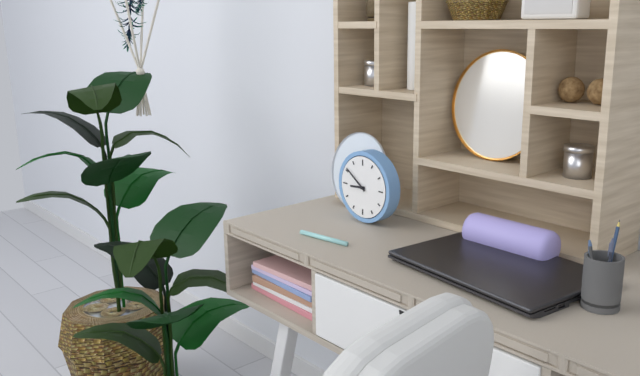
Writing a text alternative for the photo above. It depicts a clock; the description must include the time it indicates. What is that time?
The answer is 8:51
